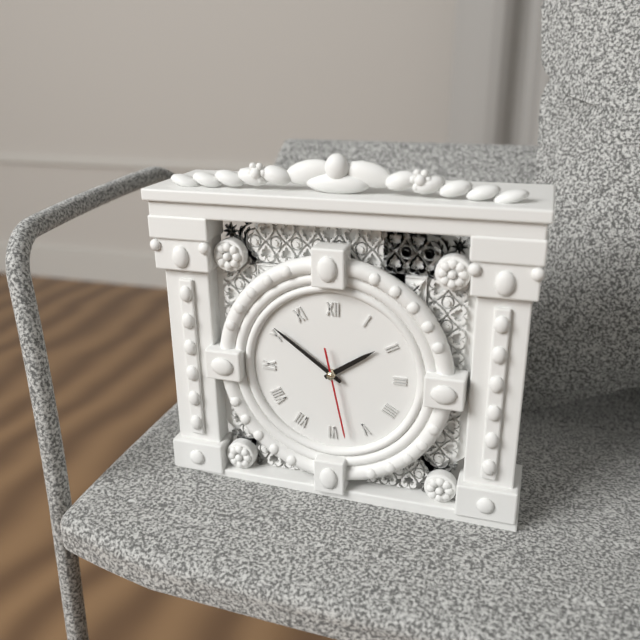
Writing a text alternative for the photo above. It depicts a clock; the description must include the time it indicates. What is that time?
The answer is 1:51:28
